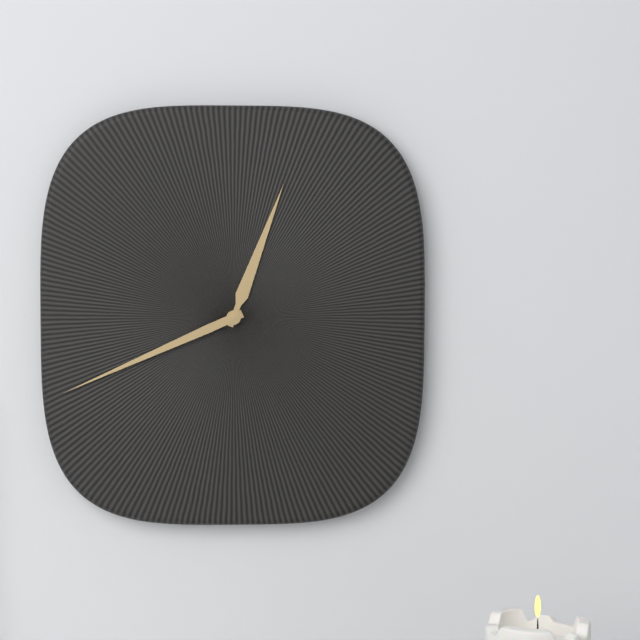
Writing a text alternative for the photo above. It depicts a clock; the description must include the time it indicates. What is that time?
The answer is 12:41
